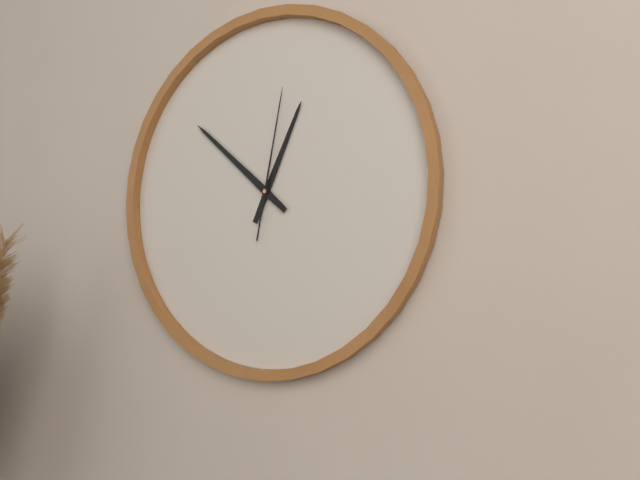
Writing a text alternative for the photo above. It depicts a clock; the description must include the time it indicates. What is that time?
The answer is 12:52:02
